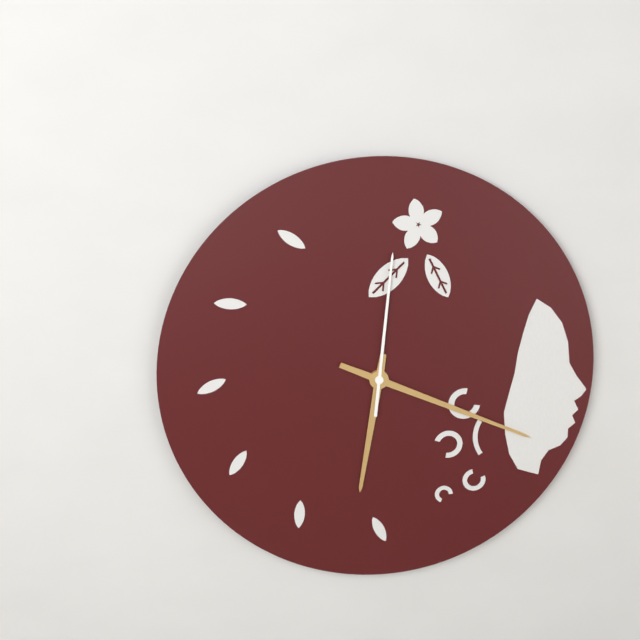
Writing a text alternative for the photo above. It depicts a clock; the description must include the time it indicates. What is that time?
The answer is 6:19:01
